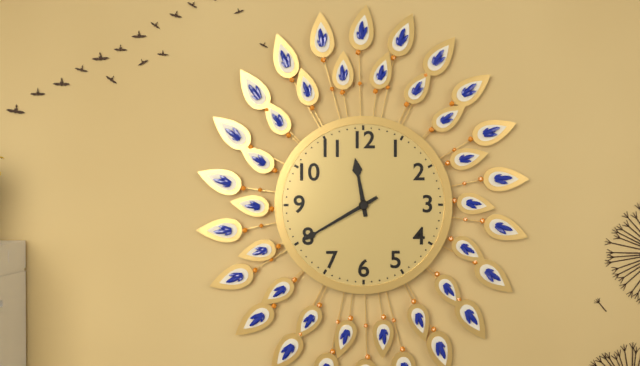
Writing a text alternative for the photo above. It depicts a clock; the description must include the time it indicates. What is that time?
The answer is 11:40
